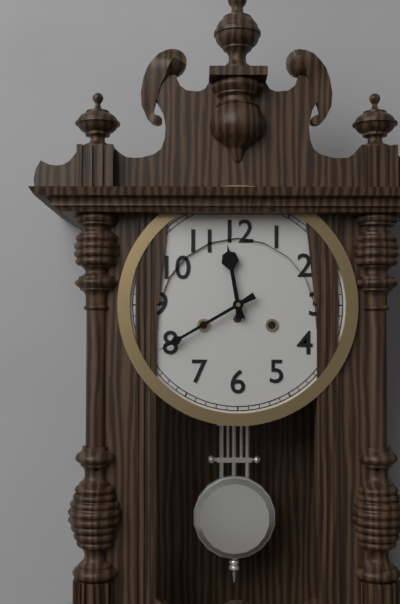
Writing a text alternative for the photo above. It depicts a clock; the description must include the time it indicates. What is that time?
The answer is 11:40
